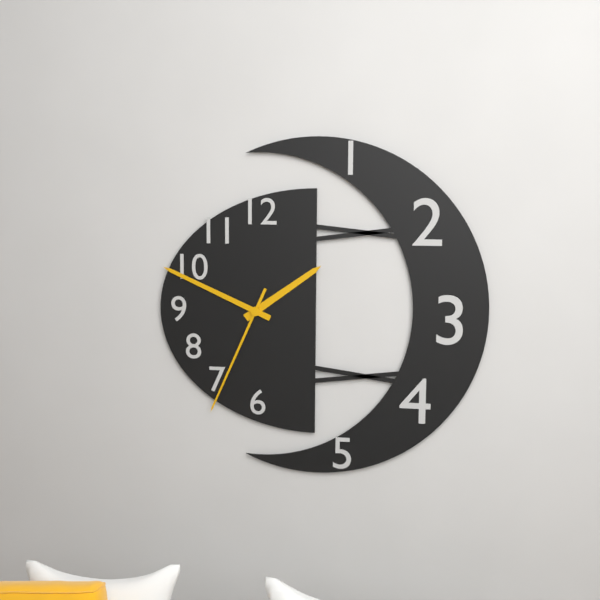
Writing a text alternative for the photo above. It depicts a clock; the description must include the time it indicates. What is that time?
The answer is 1:49:34
